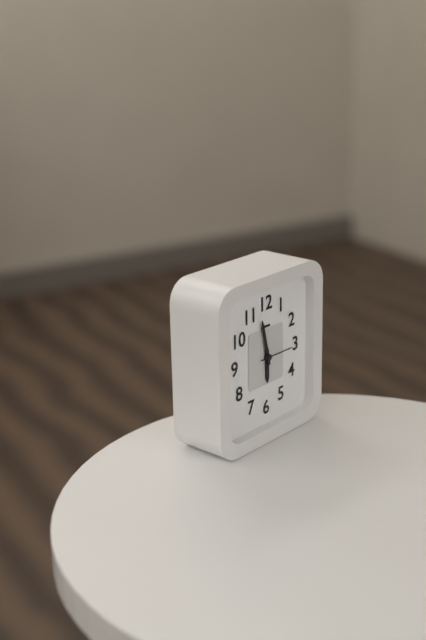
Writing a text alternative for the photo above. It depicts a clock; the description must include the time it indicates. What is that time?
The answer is 5:58
